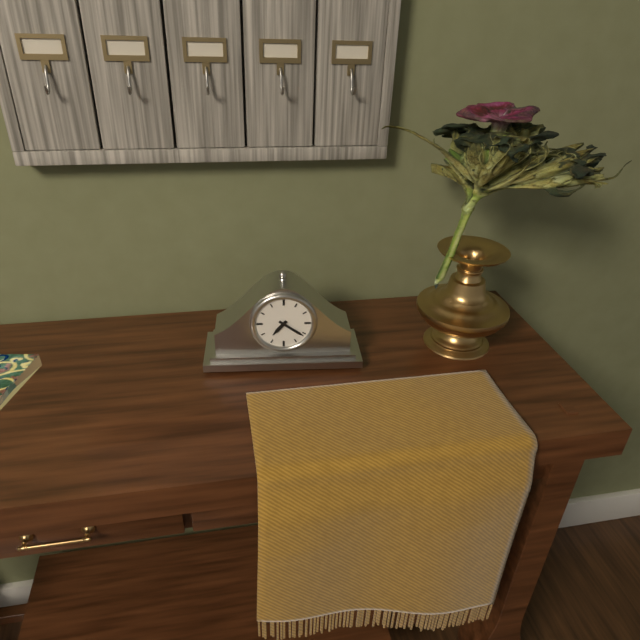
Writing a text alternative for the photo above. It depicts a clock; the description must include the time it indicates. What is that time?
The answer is 7:21
